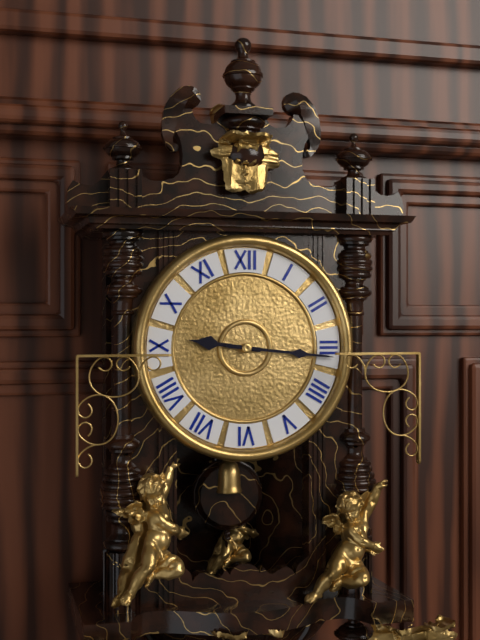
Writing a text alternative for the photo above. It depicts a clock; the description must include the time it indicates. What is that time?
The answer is 9:16
